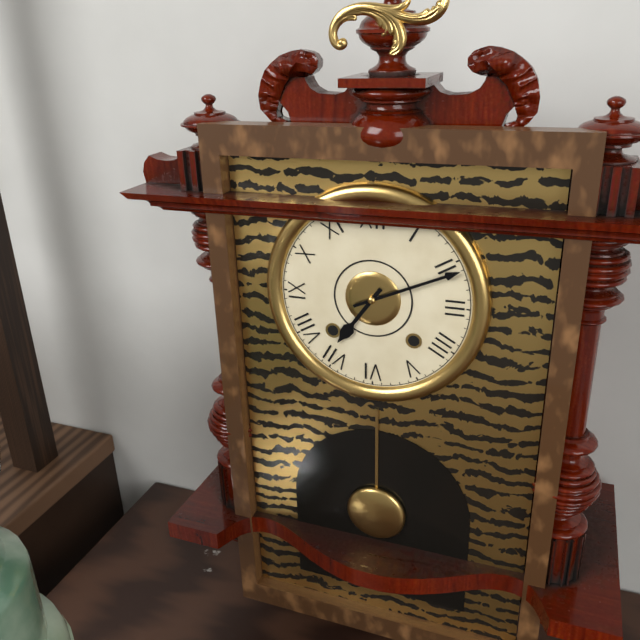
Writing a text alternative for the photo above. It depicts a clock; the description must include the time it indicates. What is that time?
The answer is 7:11
